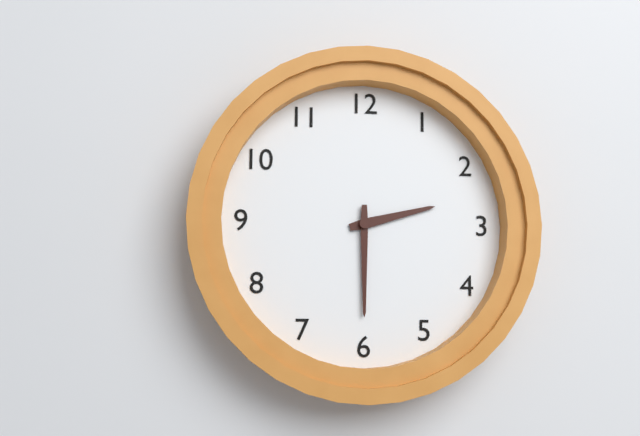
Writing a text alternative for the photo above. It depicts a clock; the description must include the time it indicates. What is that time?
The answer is 2:30
